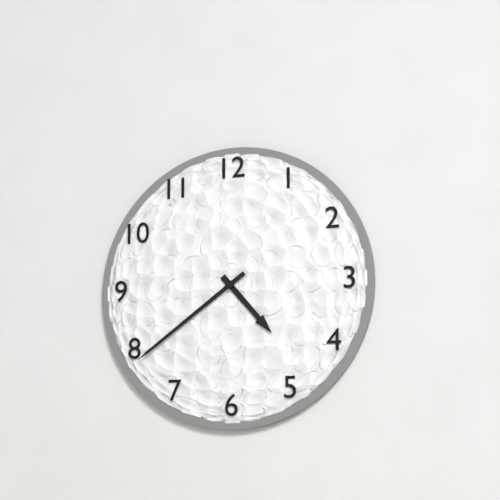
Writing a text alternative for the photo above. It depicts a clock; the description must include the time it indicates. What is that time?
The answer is 4:39
